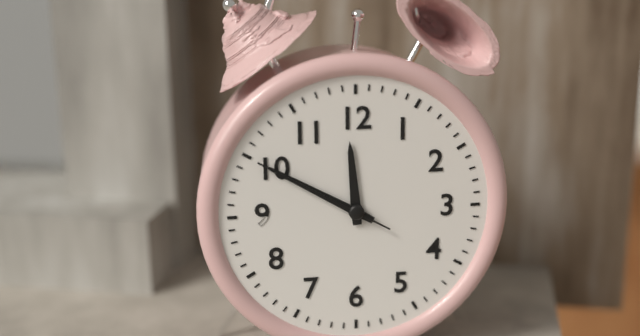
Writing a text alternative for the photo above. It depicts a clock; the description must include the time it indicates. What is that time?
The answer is 11:50:50
